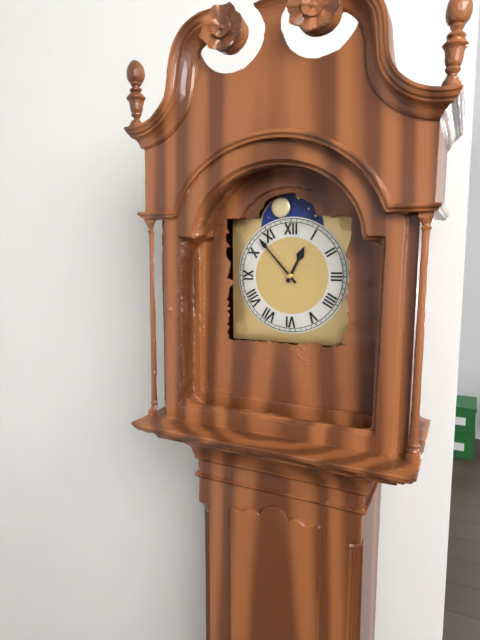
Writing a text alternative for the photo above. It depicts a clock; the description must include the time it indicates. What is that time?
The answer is 12:53
